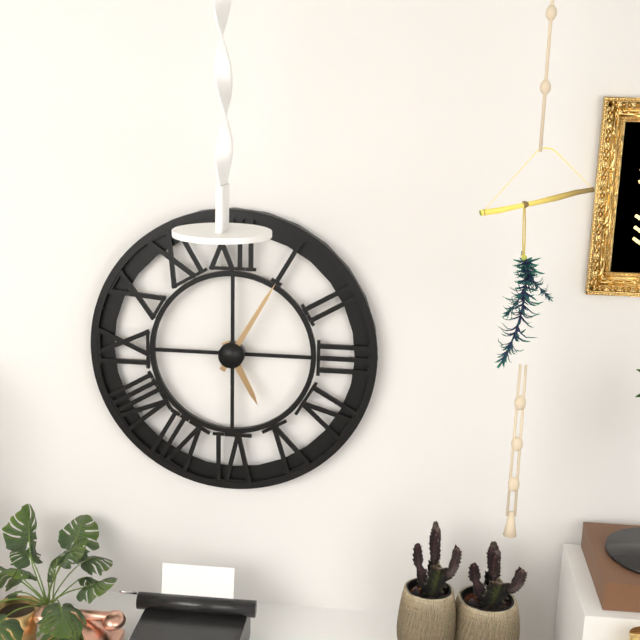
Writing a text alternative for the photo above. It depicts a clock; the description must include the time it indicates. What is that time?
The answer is 5:05
